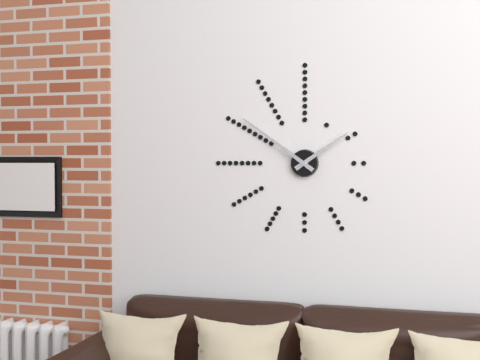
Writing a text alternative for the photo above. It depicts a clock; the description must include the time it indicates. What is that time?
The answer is 1:51
